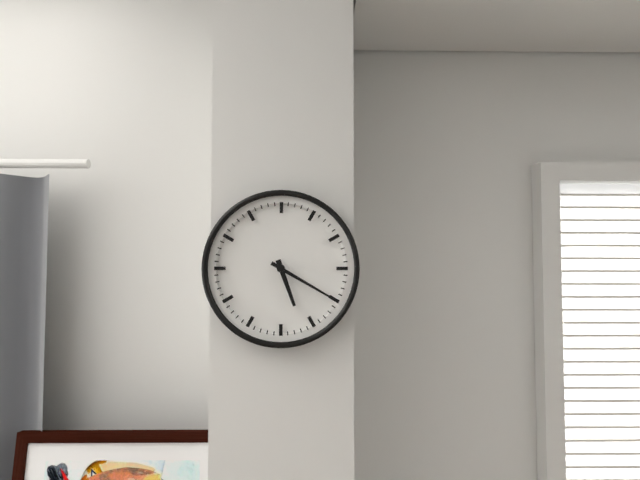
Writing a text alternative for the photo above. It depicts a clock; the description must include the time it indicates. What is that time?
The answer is 5:20
